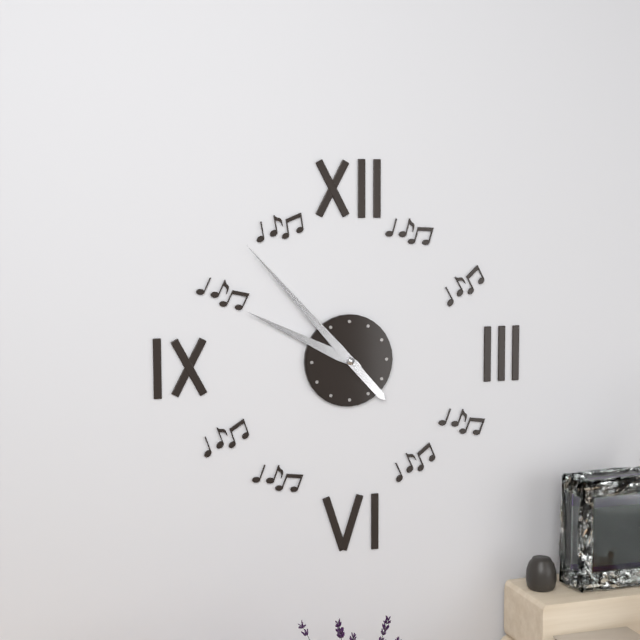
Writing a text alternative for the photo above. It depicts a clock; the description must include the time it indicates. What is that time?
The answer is 9:53
